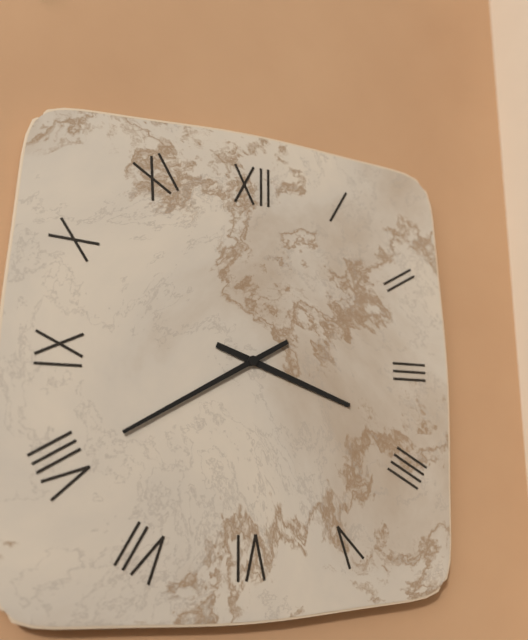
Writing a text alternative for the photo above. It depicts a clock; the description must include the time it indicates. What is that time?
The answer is 3:40
